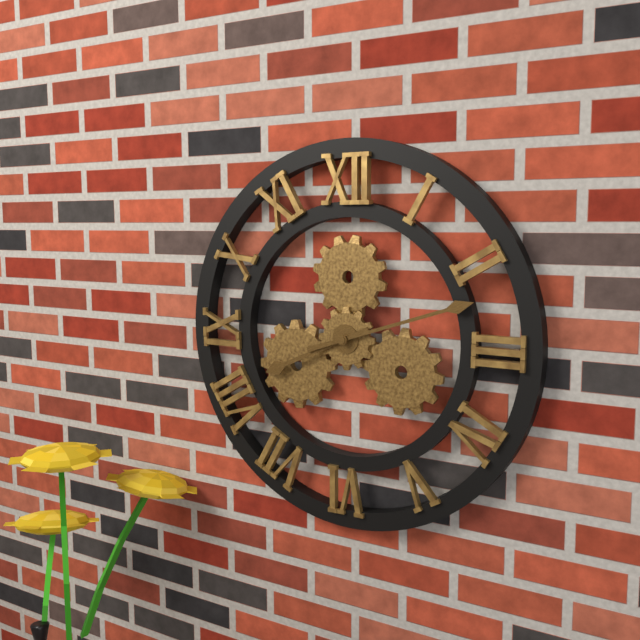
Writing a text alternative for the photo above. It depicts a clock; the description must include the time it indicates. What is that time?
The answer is 8:12
